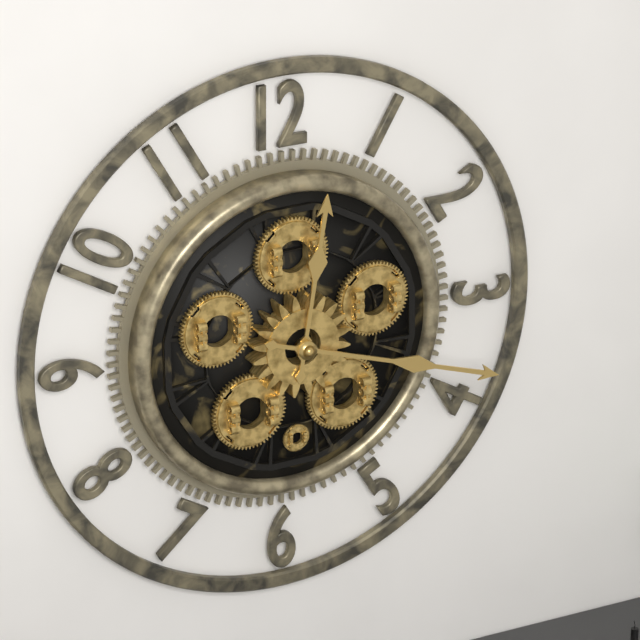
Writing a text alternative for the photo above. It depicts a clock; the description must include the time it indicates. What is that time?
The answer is 12:18
